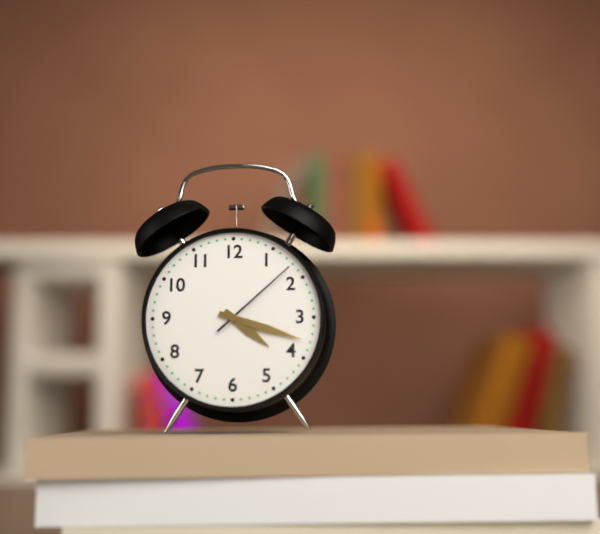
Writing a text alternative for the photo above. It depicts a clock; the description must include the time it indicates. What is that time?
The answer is 4:18:08
